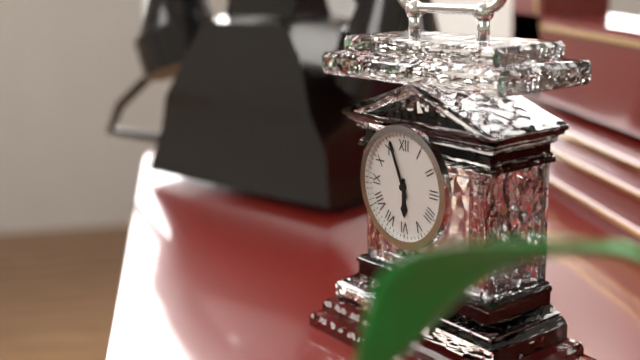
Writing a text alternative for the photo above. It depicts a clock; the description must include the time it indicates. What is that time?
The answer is 5:56
